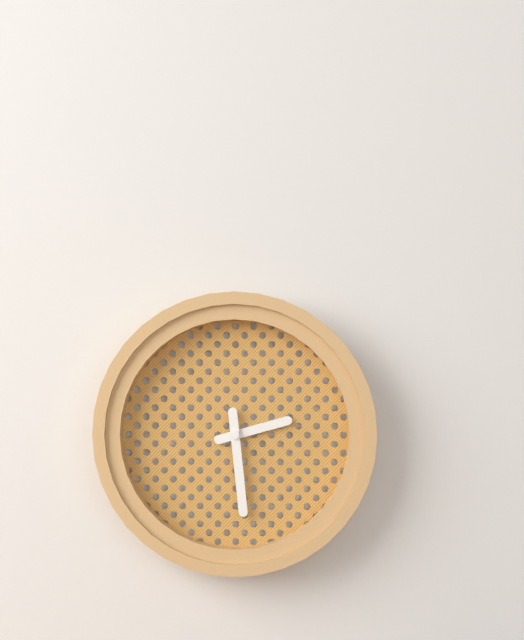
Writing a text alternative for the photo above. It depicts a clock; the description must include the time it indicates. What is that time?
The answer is 2:29
